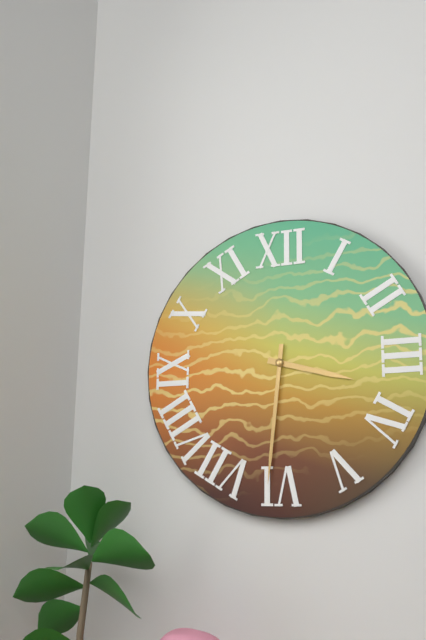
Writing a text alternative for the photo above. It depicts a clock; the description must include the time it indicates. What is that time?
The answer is 3:31
